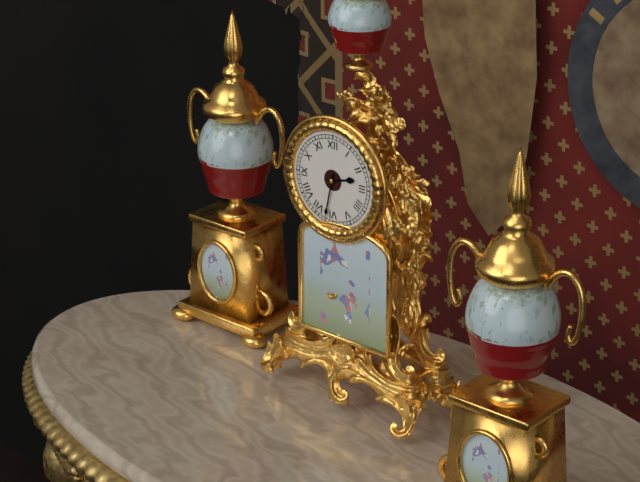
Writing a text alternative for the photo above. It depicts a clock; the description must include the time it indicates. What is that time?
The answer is 2:32
